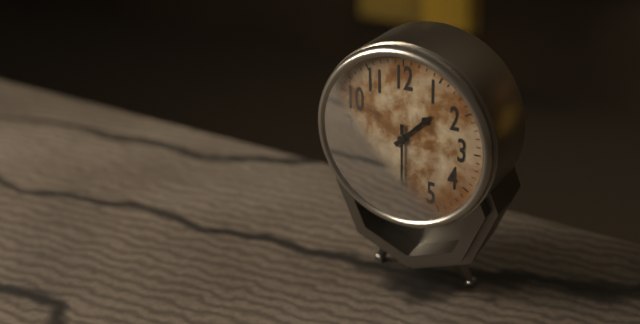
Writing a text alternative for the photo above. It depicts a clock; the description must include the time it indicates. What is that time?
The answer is 1:30
